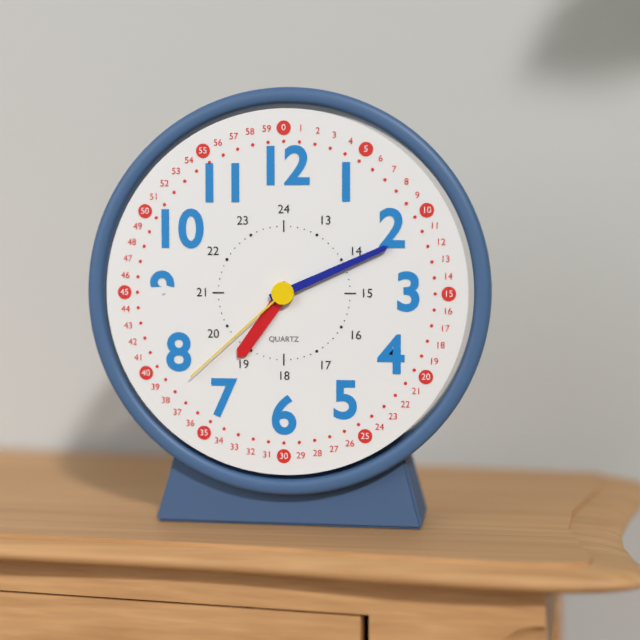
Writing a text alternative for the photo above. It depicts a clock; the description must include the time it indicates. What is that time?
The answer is 7:11:38
